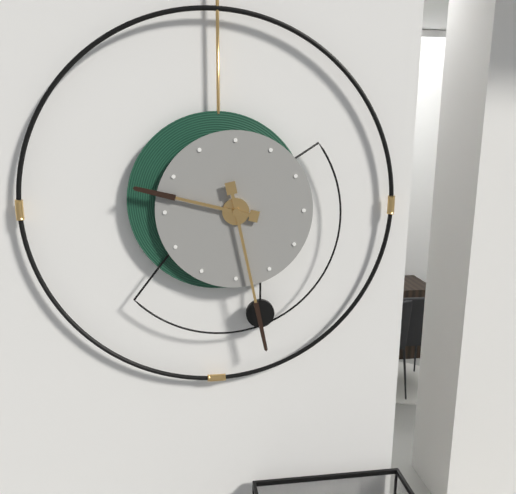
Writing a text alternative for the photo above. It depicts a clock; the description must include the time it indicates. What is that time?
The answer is 9:28
